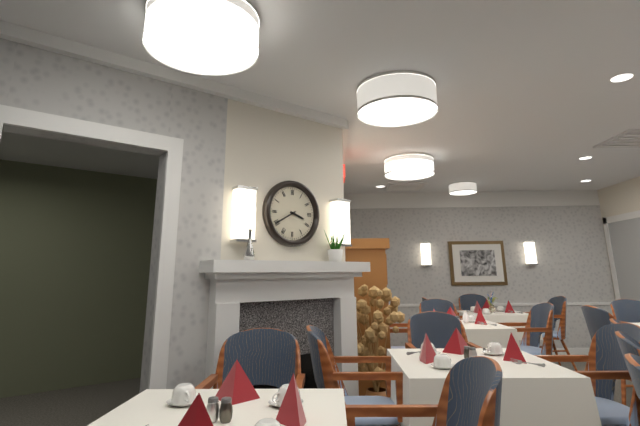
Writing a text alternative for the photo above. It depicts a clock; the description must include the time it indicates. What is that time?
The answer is 3:40
